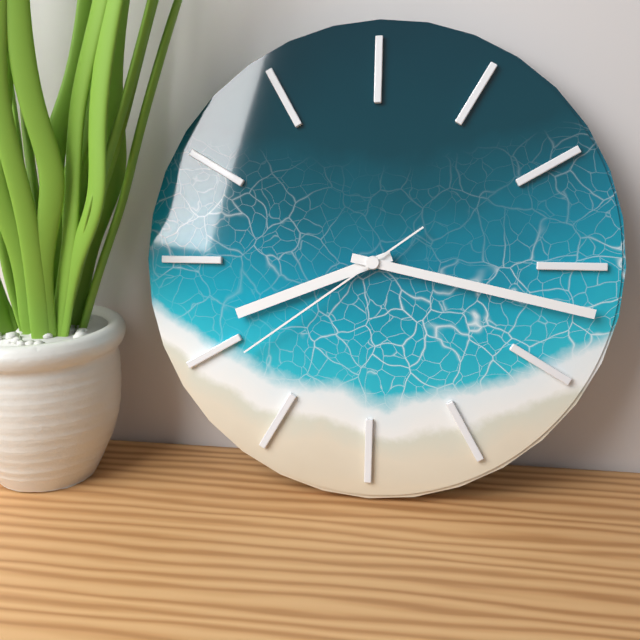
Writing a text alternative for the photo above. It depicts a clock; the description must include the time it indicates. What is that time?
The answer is 8:17:39
